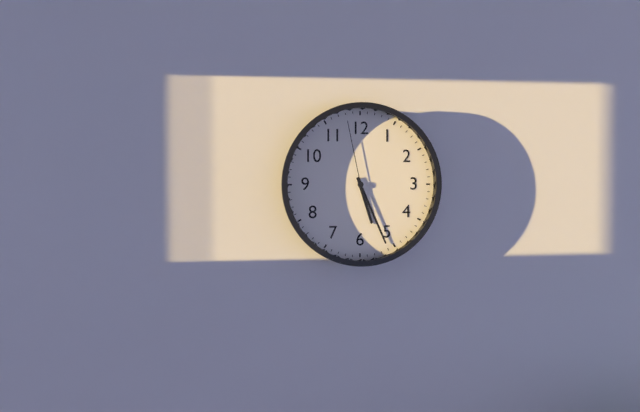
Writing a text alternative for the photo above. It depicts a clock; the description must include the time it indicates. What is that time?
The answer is 5:26:58
